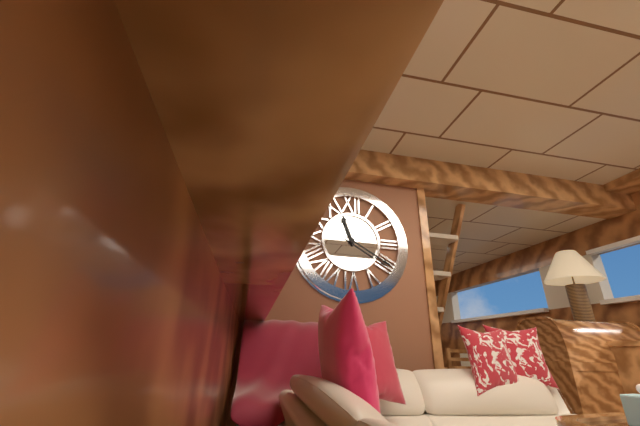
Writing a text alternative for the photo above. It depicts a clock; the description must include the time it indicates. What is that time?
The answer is 11:20
